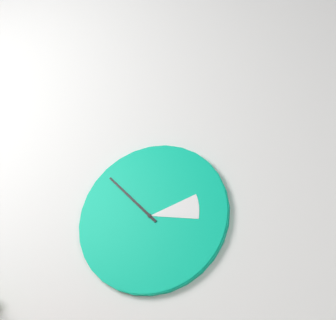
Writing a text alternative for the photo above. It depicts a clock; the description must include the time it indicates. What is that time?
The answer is 2:53
